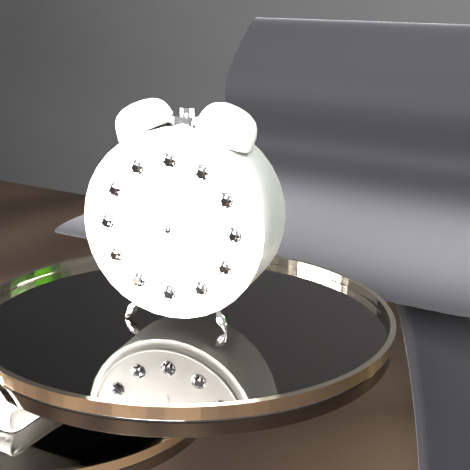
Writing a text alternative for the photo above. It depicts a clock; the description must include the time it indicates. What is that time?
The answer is 6:05:41
